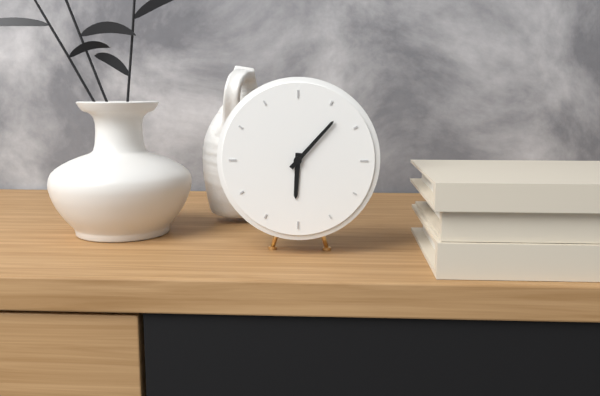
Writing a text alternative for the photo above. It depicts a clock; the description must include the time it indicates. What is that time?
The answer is 6:07
